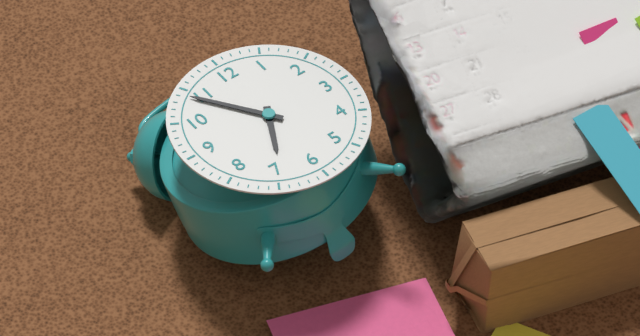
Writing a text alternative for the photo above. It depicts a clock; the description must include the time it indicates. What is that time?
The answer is 6:54
